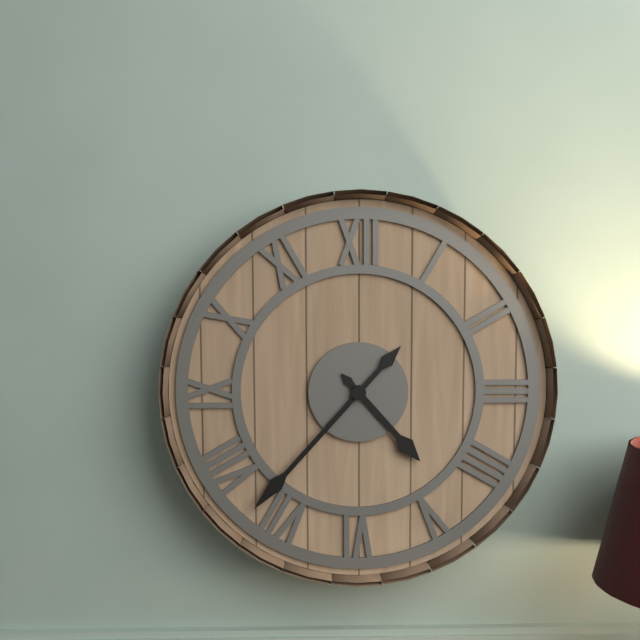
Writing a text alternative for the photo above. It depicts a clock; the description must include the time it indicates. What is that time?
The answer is 4:37
